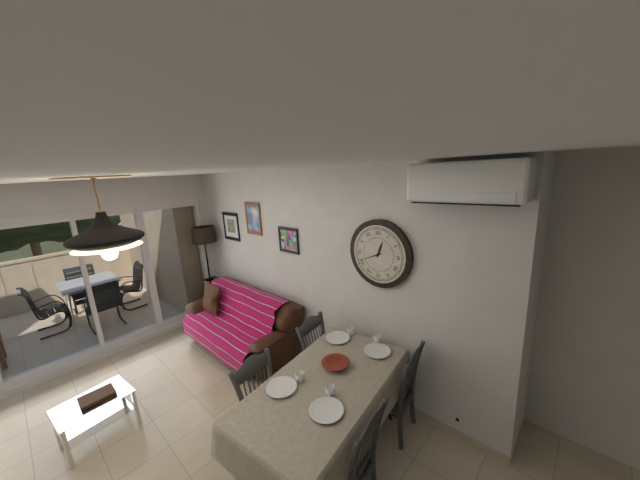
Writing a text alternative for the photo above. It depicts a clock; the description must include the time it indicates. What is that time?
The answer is 12:41
